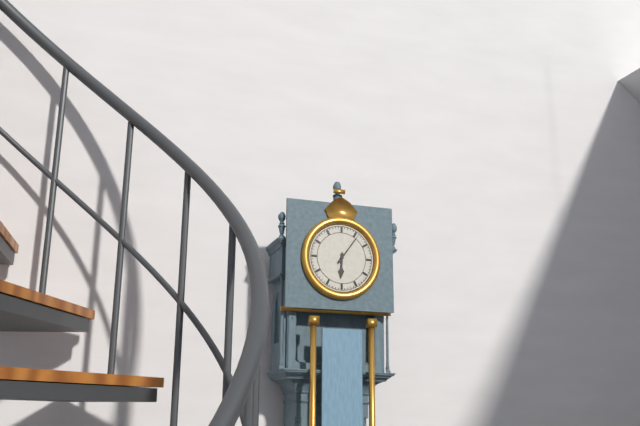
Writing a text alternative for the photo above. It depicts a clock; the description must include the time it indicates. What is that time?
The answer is 6:06
